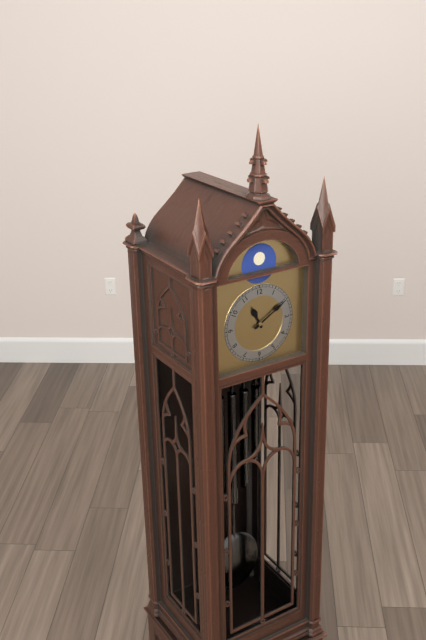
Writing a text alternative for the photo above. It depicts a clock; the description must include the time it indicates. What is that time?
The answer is 11:10
